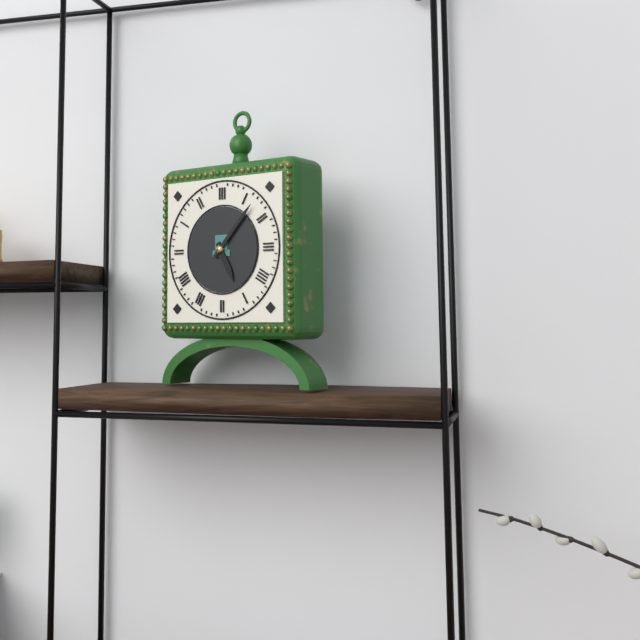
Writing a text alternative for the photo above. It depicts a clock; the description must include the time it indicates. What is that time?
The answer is 5:07
